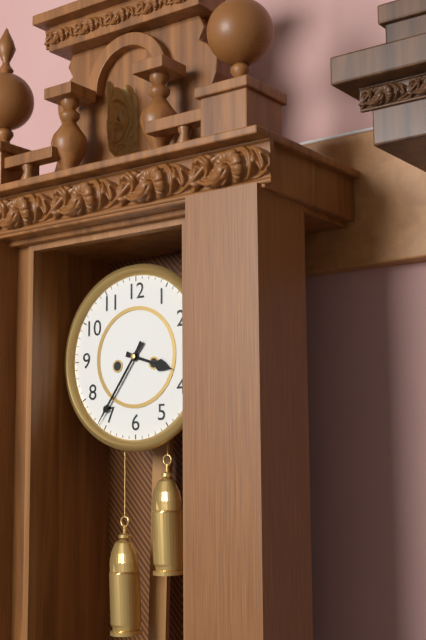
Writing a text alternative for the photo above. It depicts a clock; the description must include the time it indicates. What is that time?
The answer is 3:36
